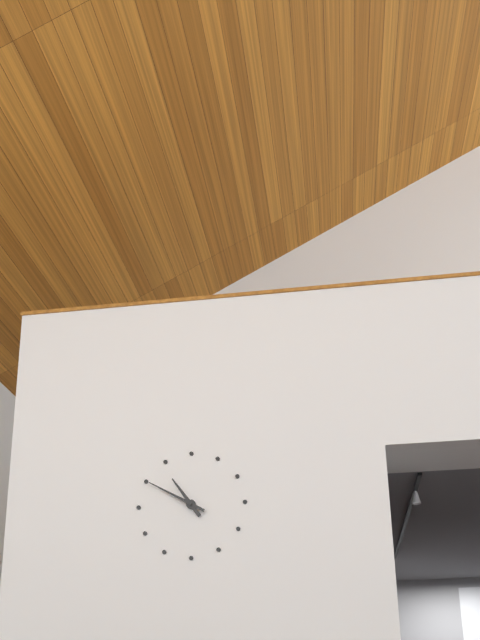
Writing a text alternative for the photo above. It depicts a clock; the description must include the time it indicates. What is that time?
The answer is 10:50
